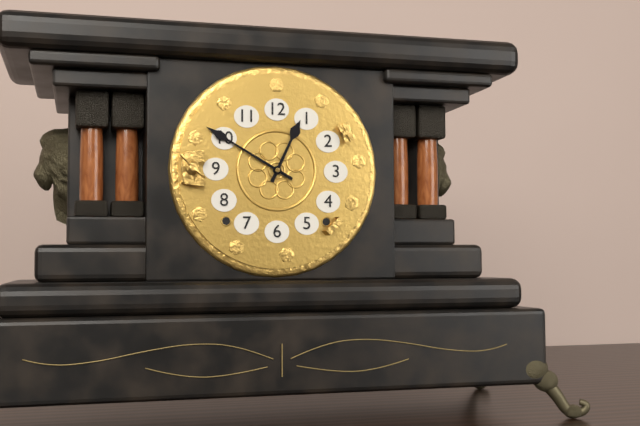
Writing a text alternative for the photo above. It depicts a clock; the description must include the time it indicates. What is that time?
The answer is 12:50
